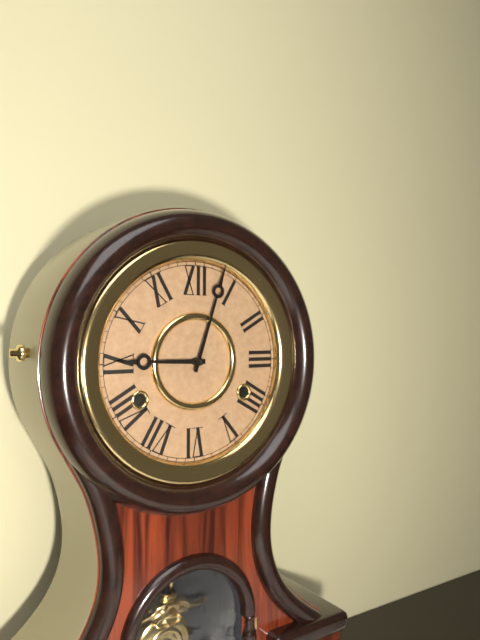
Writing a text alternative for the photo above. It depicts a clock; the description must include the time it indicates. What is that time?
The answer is 9:03
